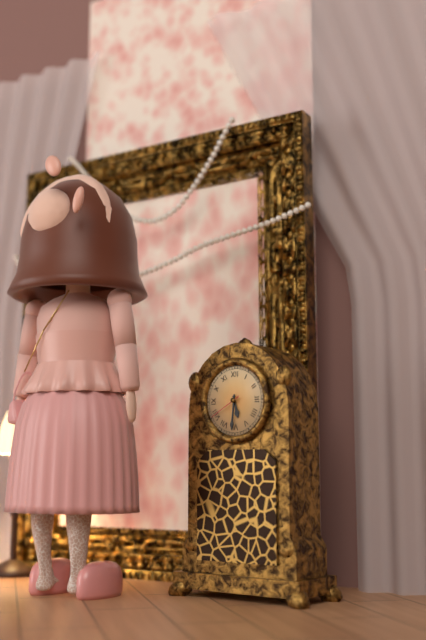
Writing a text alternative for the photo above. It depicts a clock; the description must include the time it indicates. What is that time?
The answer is 5:31
